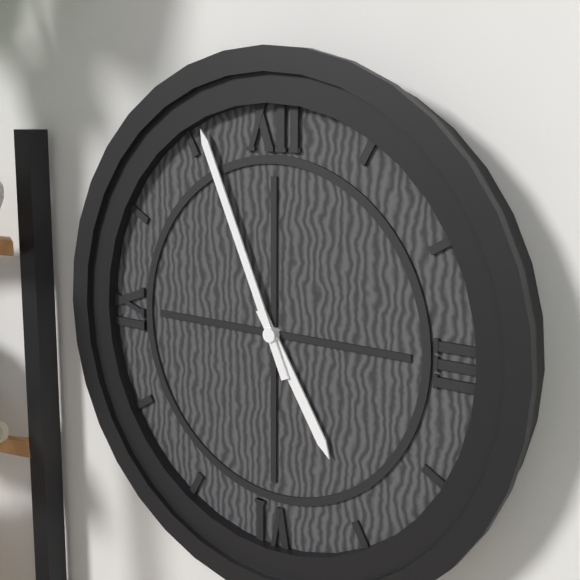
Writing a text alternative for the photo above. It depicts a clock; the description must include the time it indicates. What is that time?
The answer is 4:56
